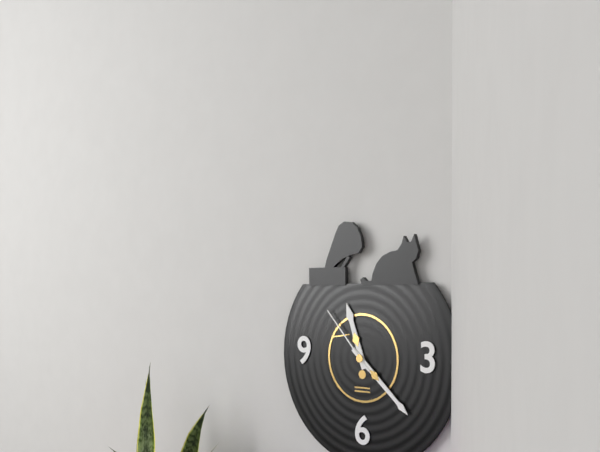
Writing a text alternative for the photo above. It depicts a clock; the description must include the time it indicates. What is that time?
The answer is 11:22:53
